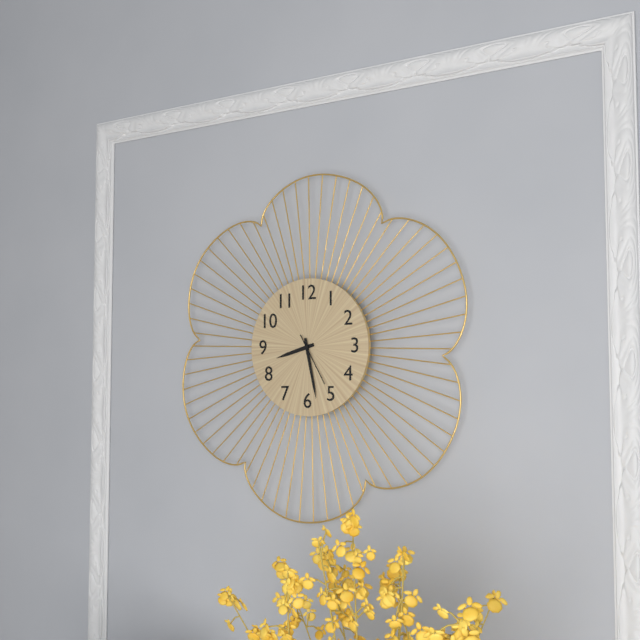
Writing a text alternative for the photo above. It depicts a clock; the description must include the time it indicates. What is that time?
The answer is 8:28:25
